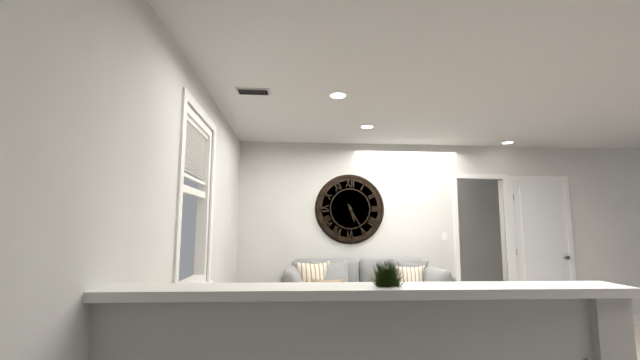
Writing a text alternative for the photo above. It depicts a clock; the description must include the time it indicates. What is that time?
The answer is 5:25
